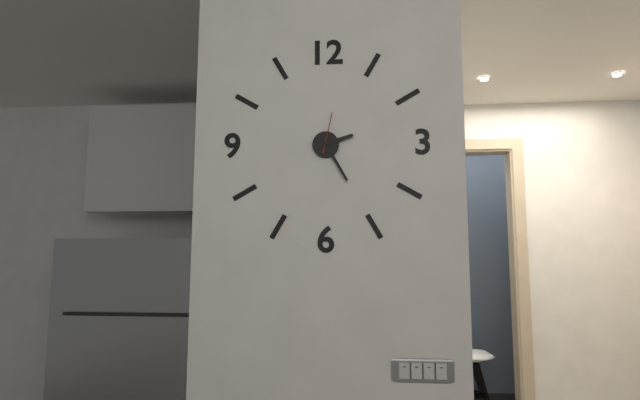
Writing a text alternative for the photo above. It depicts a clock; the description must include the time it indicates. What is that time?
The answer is 2:25
